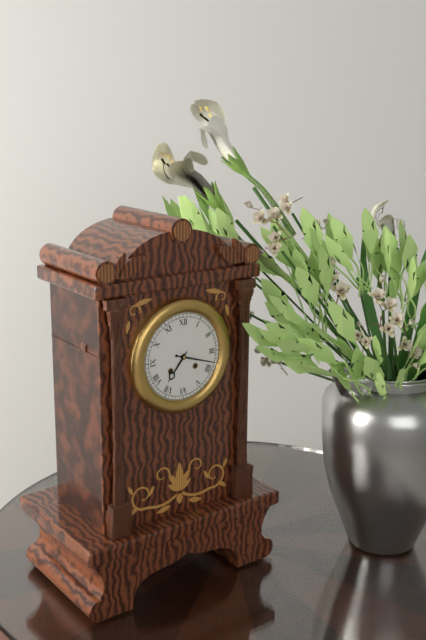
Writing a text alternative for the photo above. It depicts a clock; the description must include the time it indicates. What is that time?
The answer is 7:18
